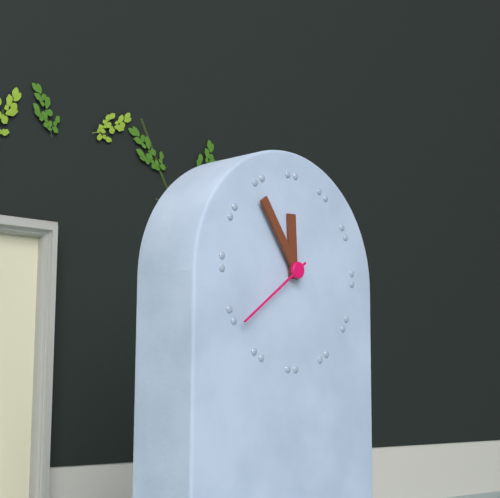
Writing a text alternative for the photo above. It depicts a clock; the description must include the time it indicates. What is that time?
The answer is 11:54:39
